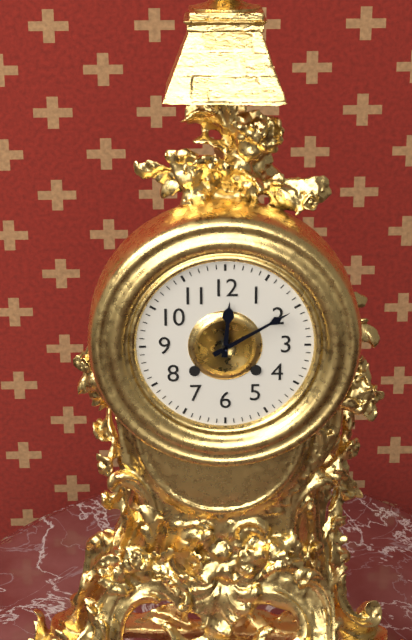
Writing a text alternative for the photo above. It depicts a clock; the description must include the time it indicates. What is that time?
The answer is 12:10
